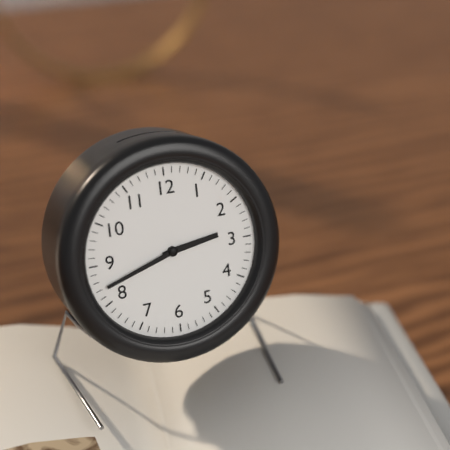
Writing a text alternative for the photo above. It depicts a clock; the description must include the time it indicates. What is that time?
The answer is 2:42
